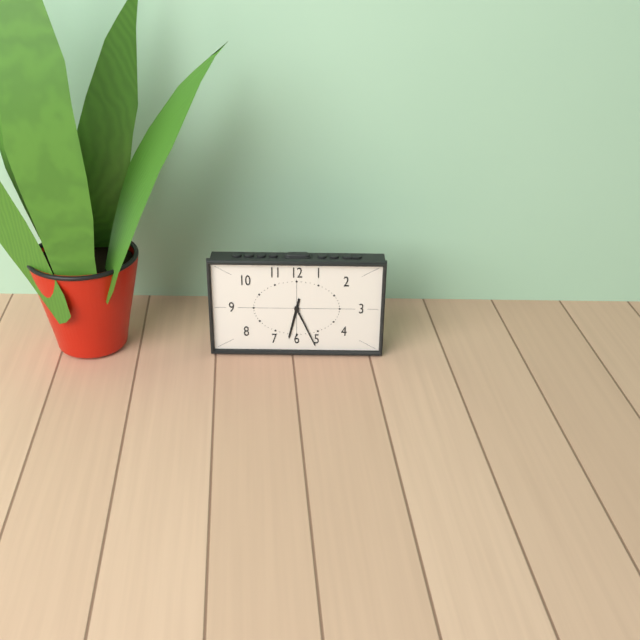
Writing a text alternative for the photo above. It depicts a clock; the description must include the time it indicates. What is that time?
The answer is 6:26
